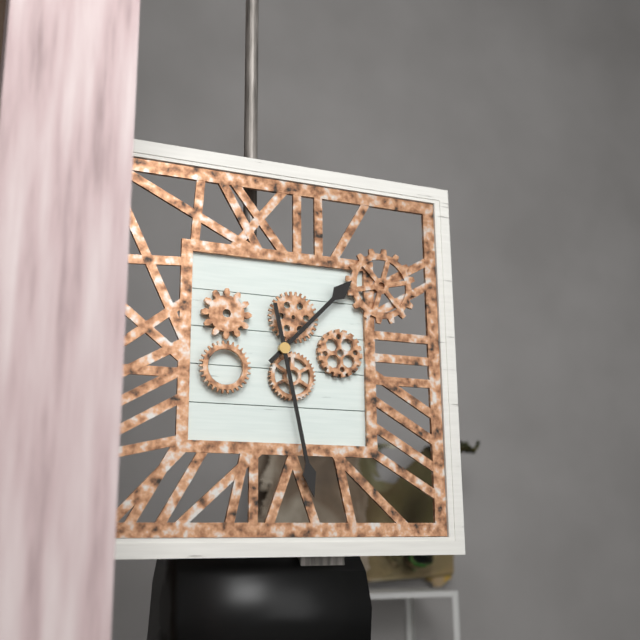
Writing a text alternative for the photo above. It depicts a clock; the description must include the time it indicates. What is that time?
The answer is 1:28
